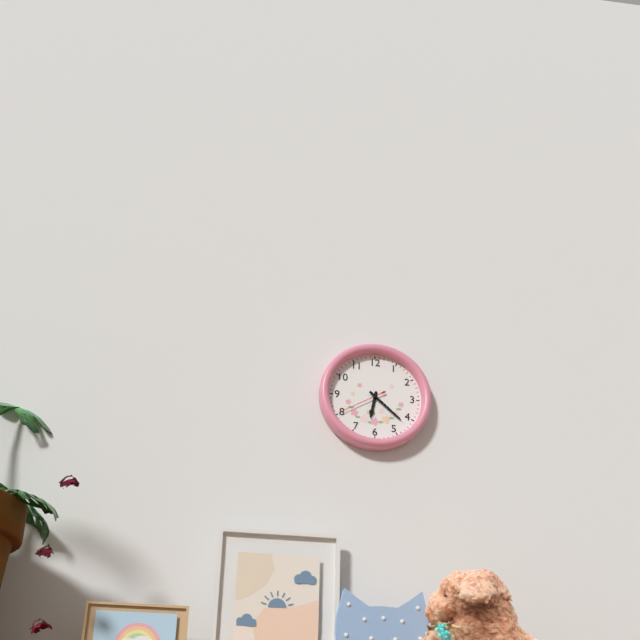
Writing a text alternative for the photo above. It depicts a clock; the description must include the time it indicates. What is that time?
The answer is 6:22
